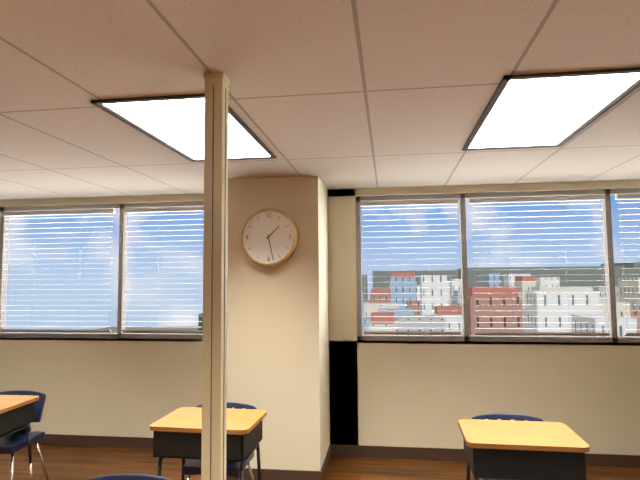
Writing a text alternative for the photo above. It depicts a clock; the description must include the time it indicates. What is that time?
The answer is 1:28
